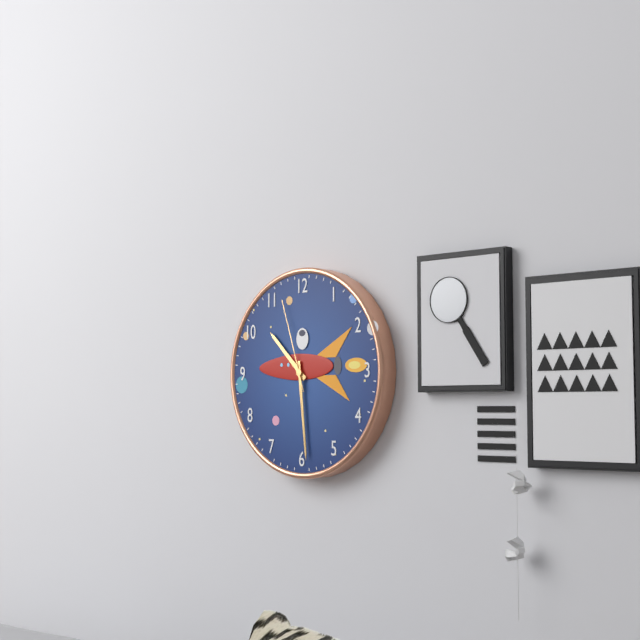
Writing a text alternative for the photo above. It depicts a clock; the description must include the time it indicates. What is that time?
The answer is 10:29:57
